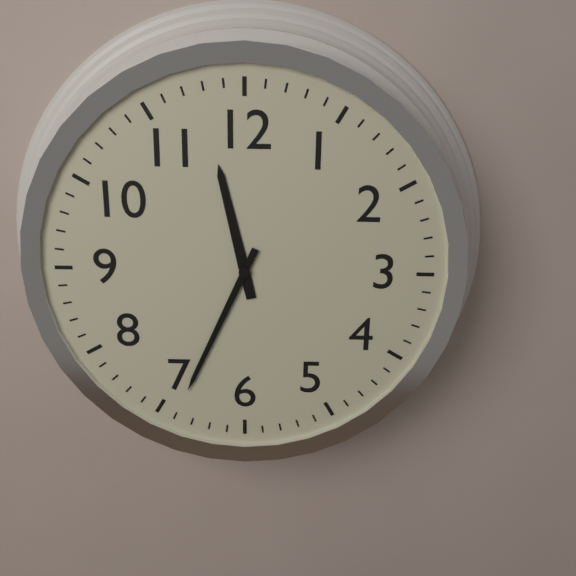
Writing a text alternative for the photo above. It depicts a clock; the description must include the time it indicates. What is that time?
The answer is 11:34
